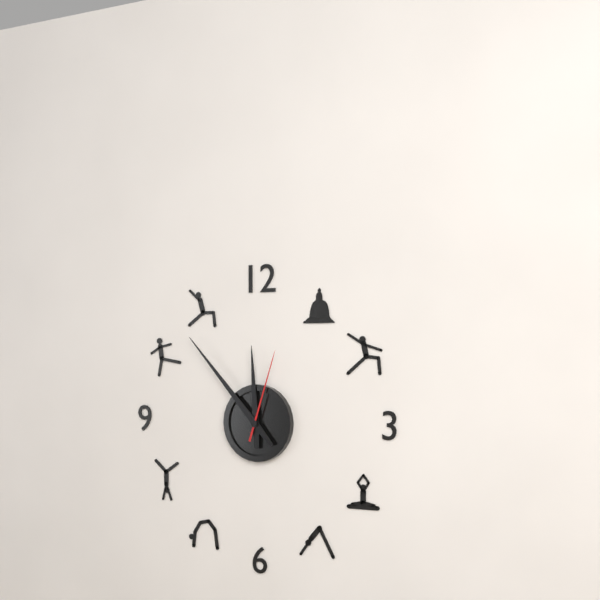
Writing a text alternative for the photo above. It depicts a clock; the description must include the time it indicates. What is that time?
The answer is 11:53:03
